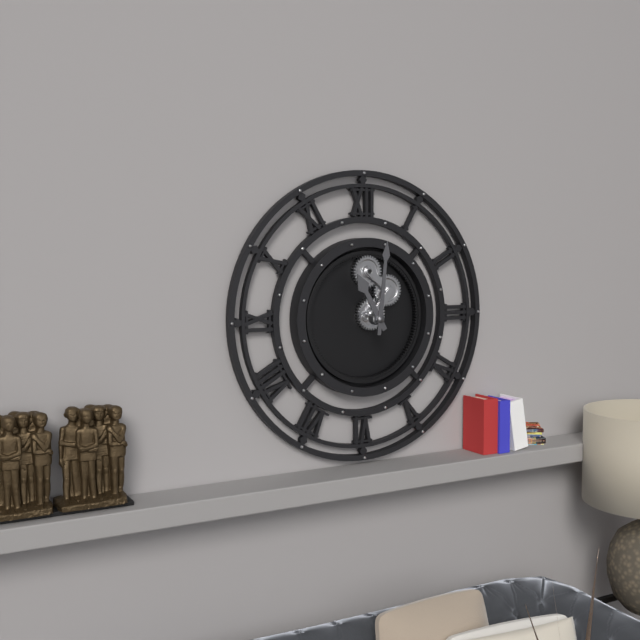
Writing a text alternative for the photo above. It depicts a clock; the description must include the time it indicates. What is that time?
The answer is 11:01
